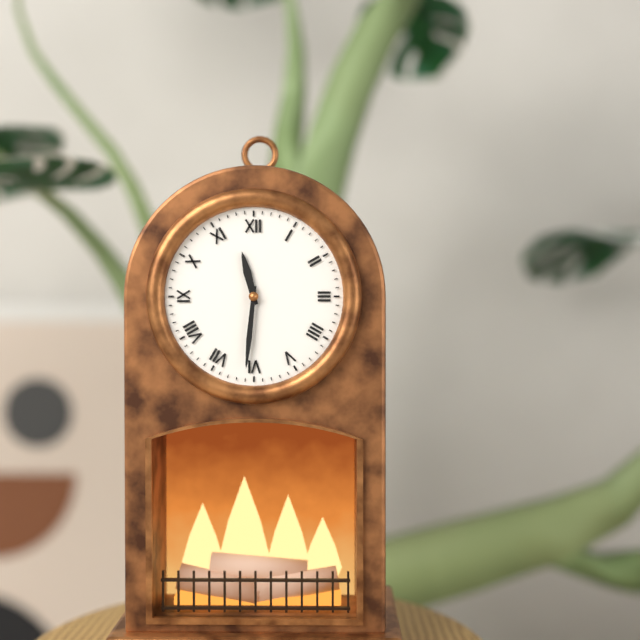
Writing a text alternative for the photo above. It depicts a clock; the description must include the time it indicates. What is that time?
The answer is 11:31
